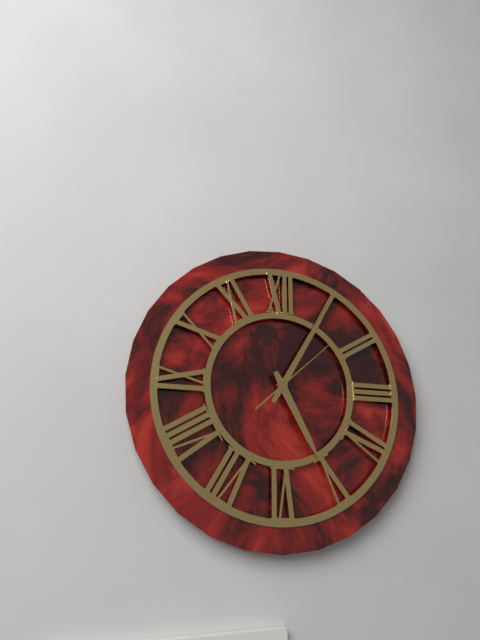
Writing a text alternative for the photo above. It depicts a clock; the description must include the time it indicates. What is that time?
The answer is 5:05:08
